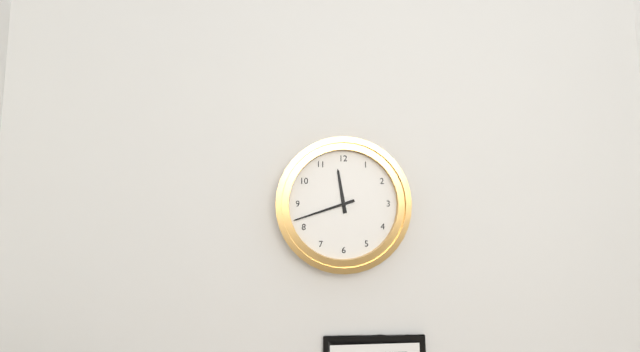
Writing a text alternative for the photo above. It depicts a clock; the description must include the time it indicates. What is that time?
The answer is 11:42
